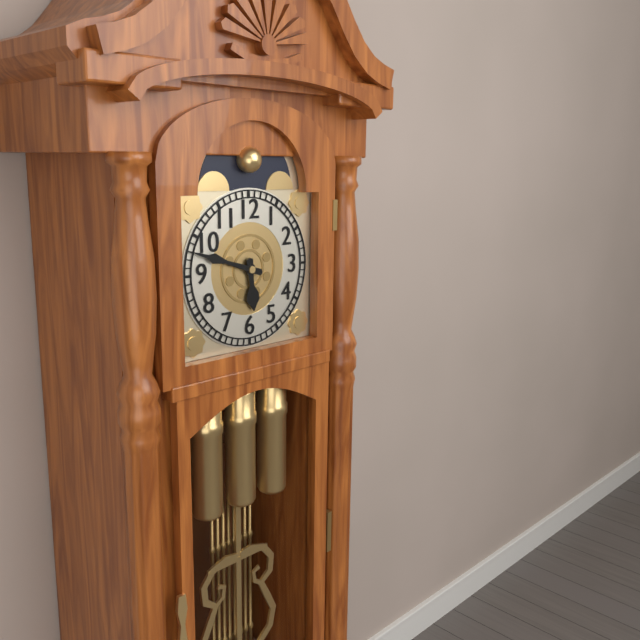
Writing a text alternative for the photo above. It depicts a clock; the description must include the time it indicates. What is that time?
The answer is 5:48
